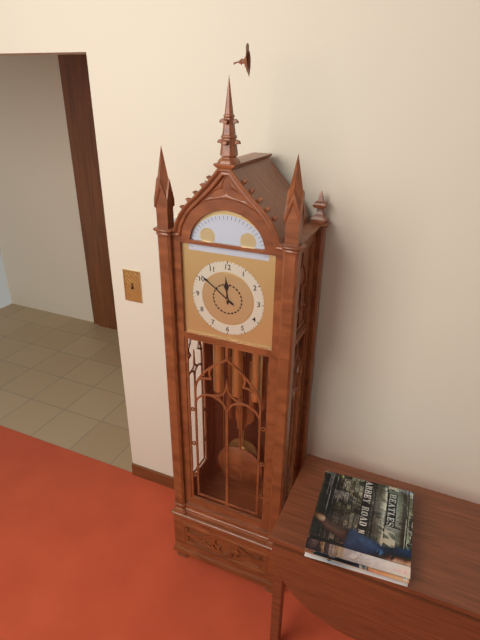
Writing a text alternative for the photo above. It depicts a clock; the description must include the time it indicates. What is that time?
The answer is 11:51
